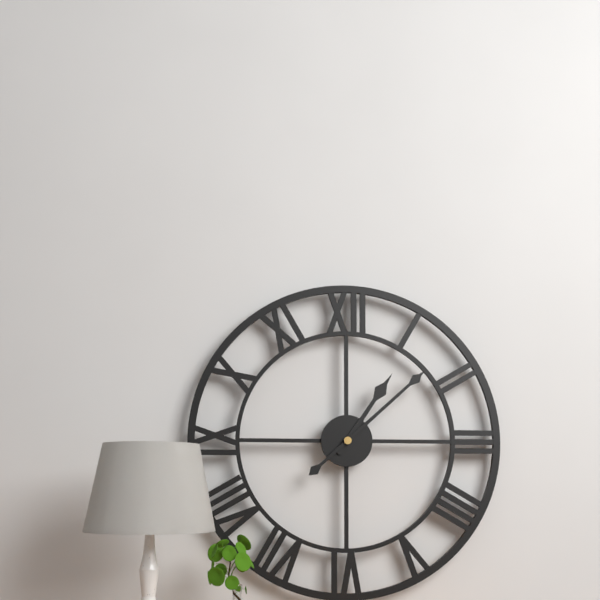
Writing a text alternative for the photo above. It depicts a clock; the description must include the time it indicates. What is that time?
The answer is 1:08
